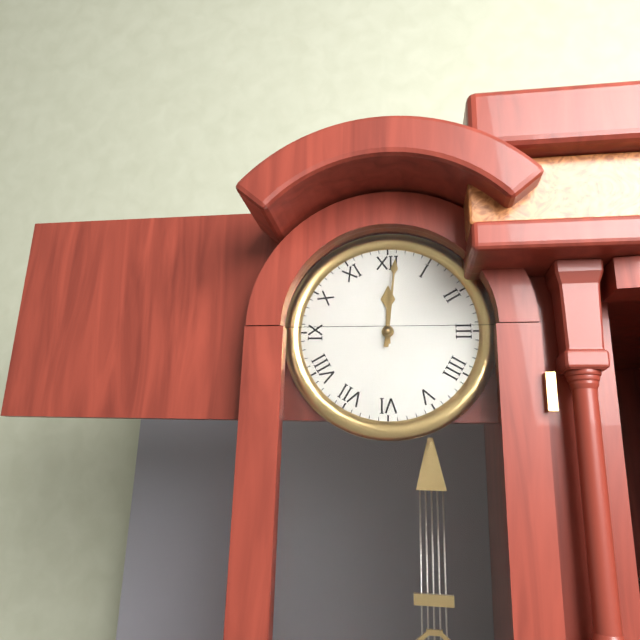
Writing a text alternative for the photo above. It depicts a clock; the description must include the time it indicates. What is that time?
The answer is 12:01
